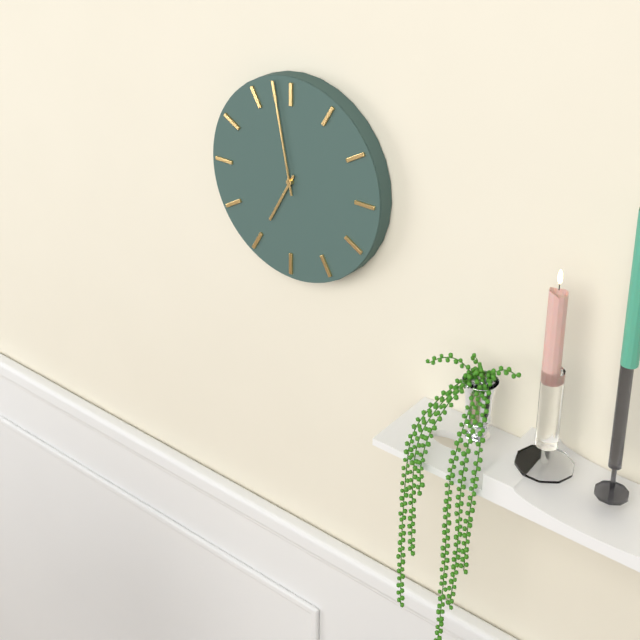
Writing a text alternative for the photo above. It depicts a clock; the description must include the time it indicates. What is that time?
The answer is 6:58
